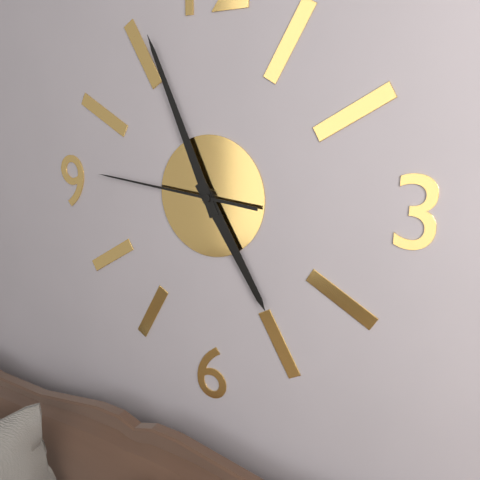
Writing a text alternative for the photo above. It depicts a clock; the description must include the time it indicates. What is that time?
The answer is 4:56:46
